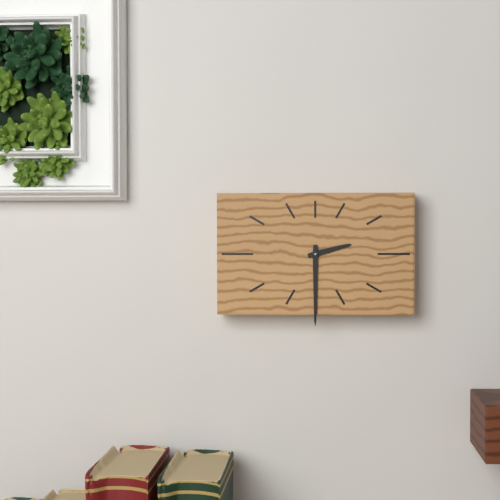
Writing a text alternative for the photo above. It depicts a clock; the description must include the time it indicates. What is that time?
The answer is 2:30
